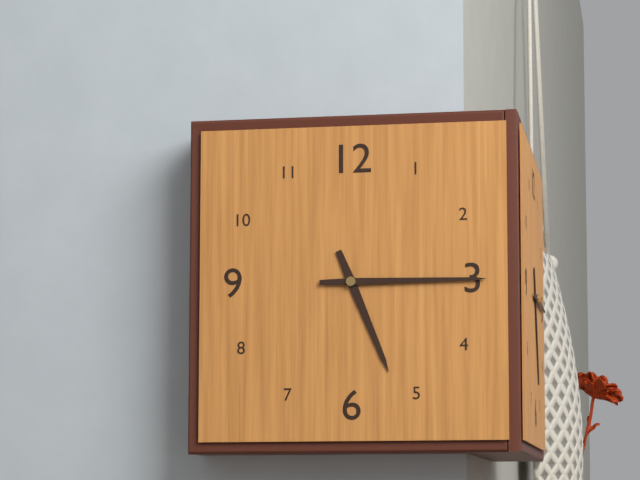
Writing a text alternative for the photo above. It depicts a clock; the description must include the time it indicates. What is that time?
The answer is 5:15
